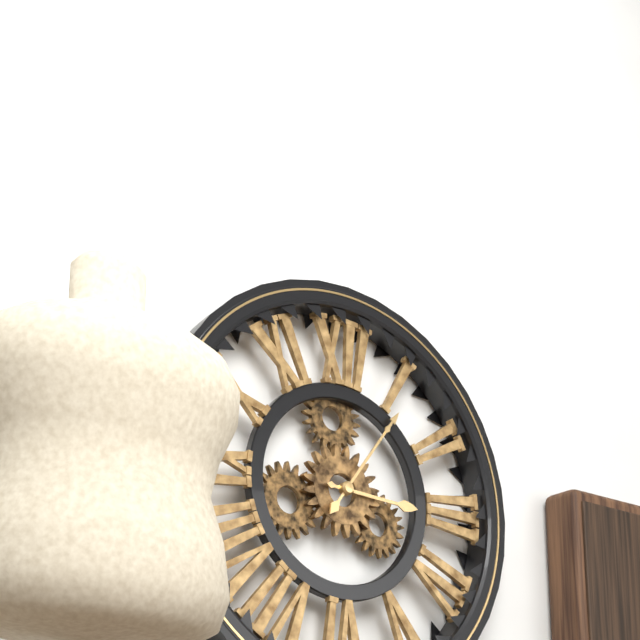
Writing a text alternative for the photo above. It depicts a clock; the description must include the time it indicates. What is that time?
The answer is 3:06
